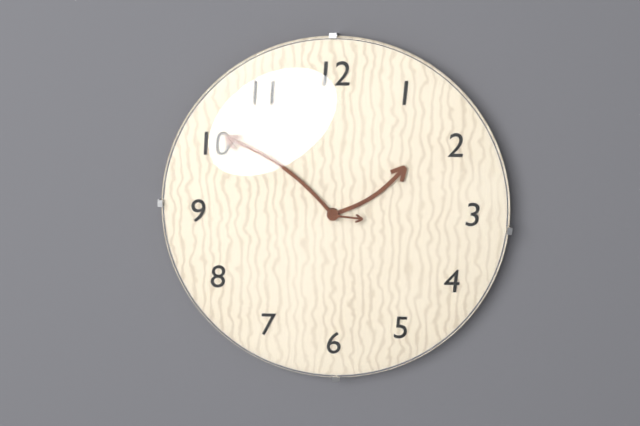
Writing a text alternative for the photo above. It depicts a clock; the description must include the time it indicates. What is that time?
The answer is 1:51
